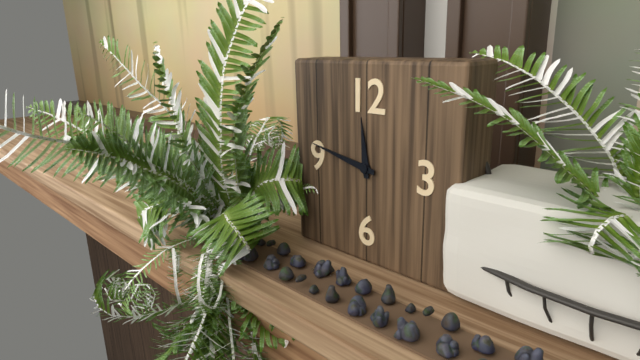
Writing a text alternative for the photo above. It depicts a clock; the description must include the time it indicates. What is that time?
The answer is 11:47
